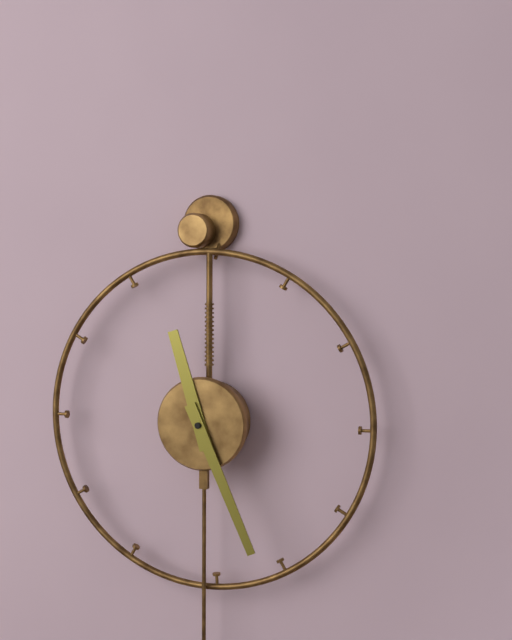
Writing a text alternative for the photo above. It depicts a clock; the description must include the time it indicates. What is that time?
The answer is 11:26
